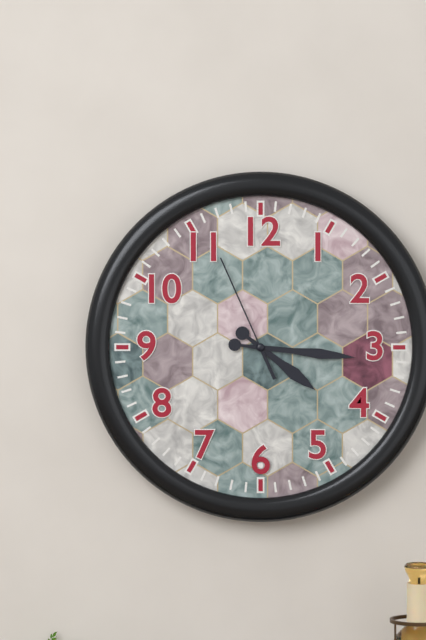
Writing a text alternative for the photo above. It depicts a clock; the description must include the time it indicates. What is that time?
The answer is 4:16:56
